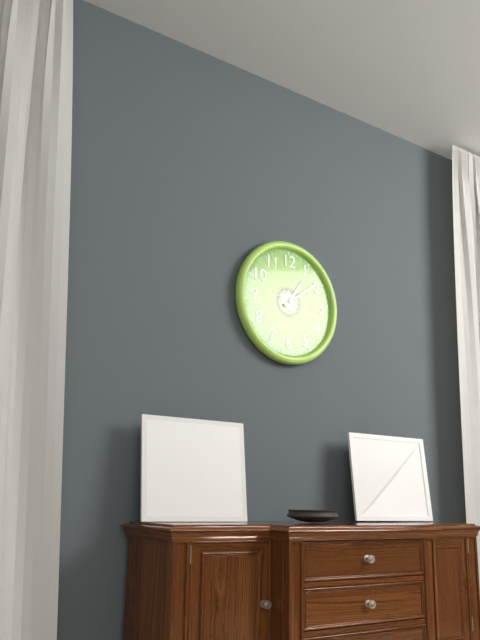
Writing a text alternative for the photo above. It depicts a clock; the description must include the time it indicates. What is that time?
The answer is 1:09
